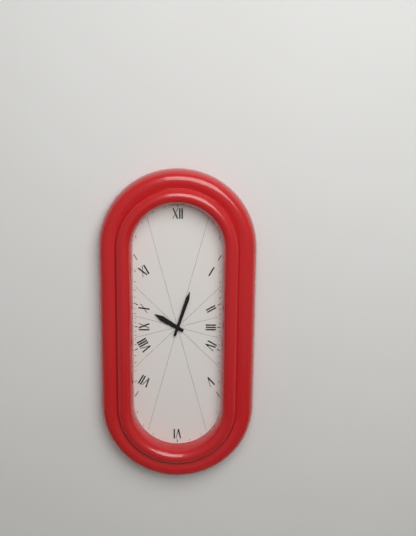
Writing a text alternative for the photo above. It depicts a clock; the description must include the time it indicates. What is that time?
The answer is 10:03
